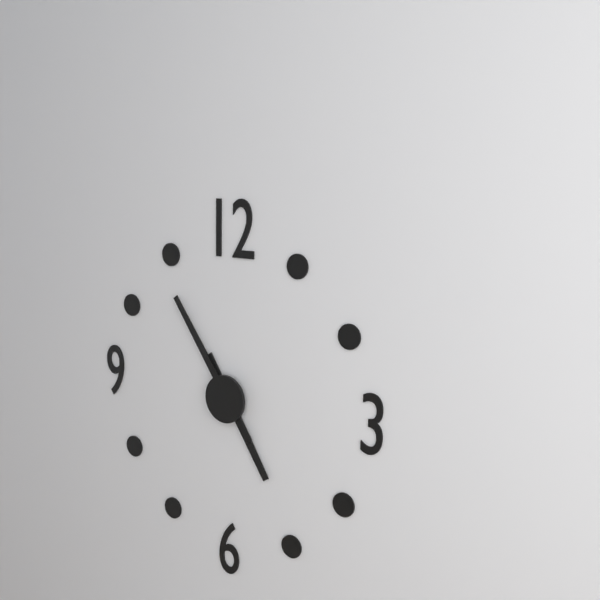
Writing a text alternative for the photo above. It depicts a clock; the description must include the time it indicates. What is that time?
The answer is 4:54
